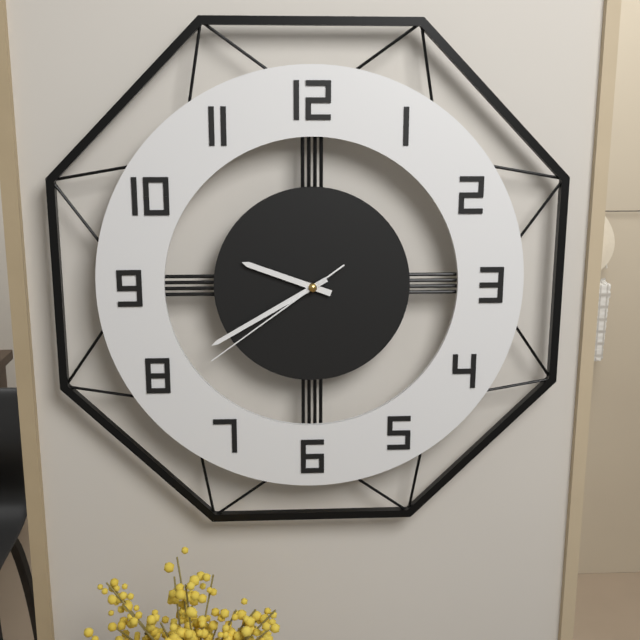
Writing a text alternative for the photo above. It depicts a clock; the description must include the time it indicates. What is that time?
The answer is 9:40:39
